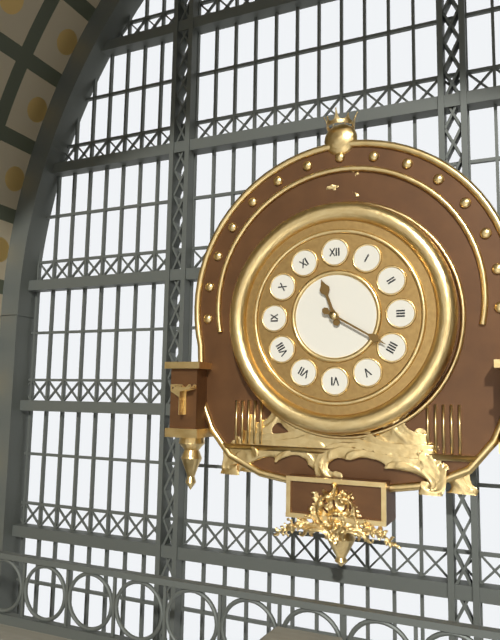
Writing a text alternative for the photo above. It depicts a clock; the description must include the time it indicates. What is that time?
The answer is 11:20
